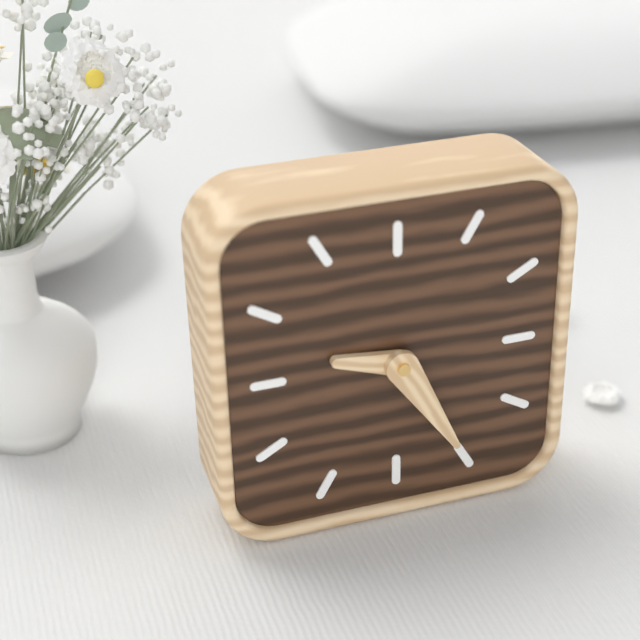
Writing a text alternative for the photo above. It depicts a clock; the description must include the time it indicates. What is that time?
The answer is 9:25
